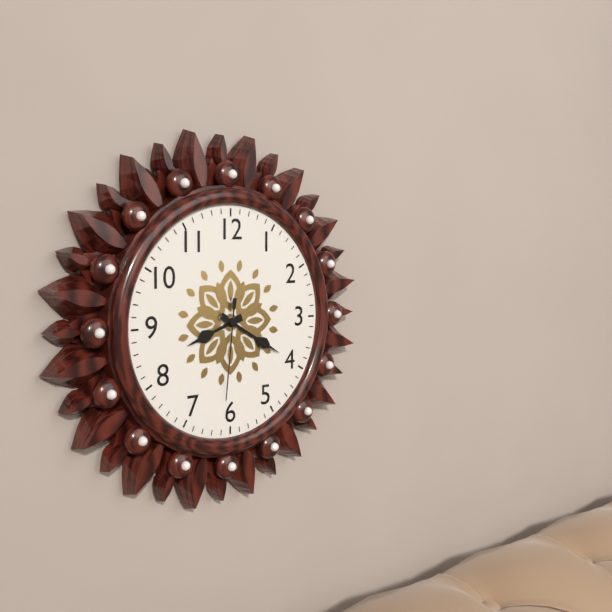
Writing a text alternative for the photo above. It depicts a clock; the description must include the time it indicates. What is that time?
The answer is 8:20:31
